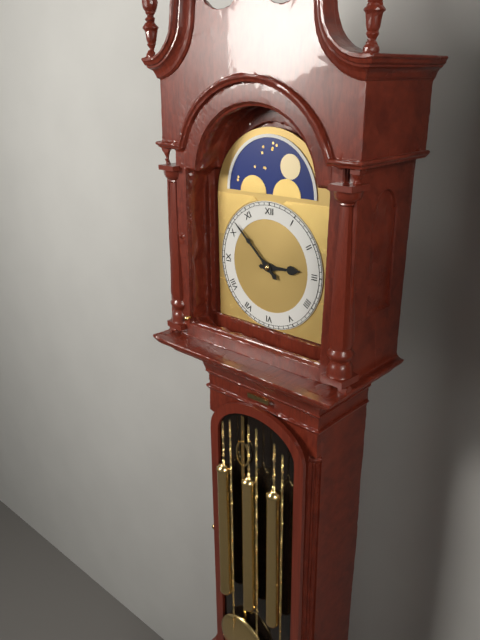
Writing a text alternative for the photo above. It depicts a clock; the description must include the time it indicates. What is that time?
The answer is 2:52
